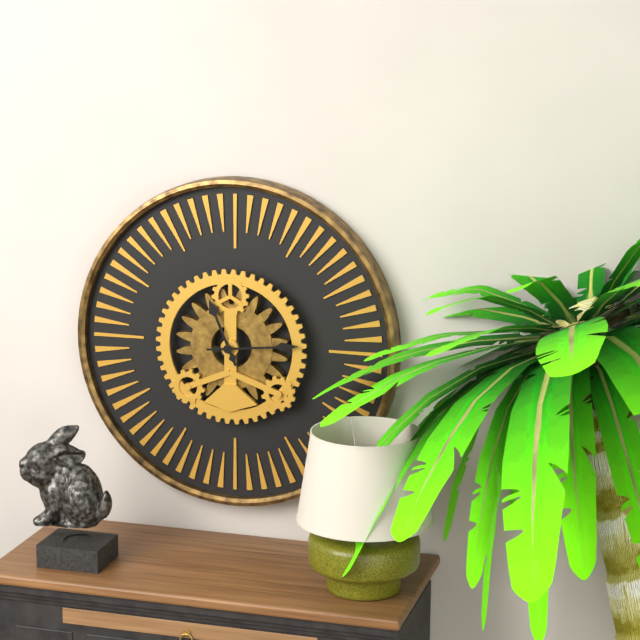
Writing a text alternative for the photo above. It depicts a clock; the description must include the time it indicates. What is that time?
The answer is 11:14
